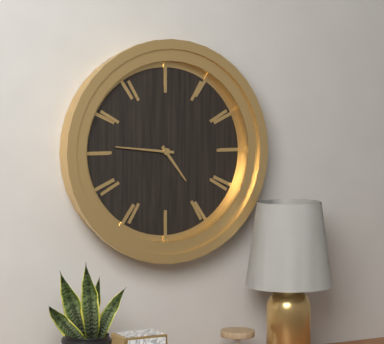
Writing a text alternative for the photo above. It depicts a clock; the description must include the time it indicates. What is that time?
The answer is 4:46
